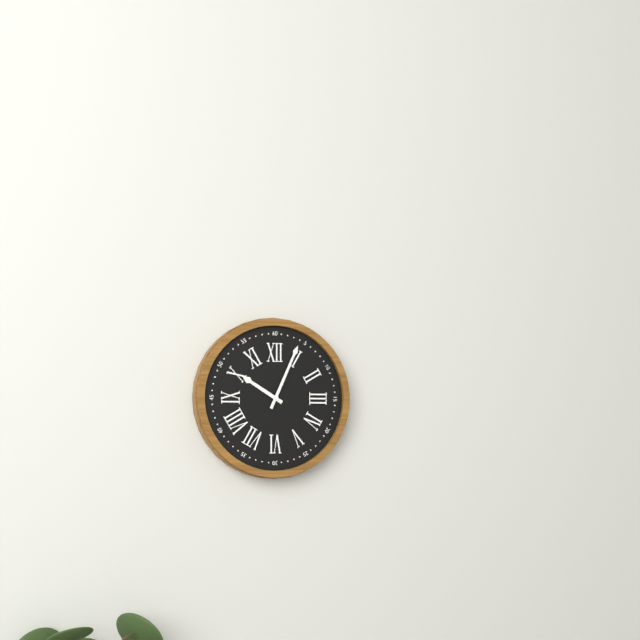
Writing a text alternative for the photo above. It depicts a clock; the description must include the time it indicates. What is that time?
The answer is 10:04
